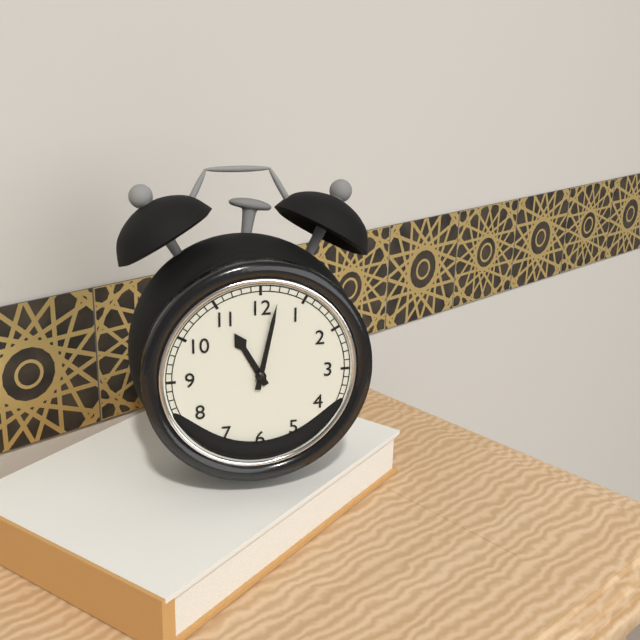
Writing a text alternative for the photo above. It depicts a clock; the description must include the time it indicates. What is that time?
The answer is 11:02
